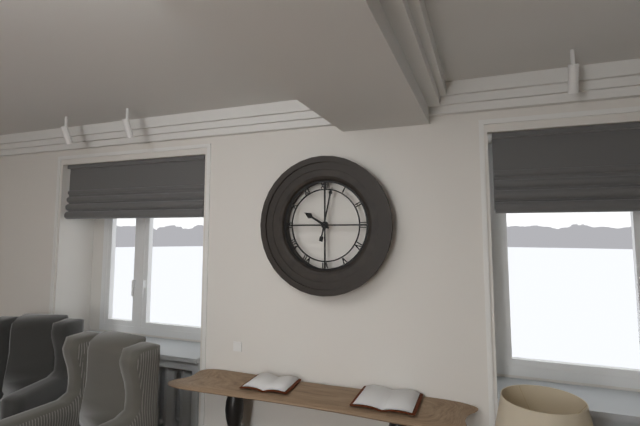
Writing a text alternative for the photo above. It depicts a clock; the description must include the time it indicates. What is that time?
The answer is 10:02
